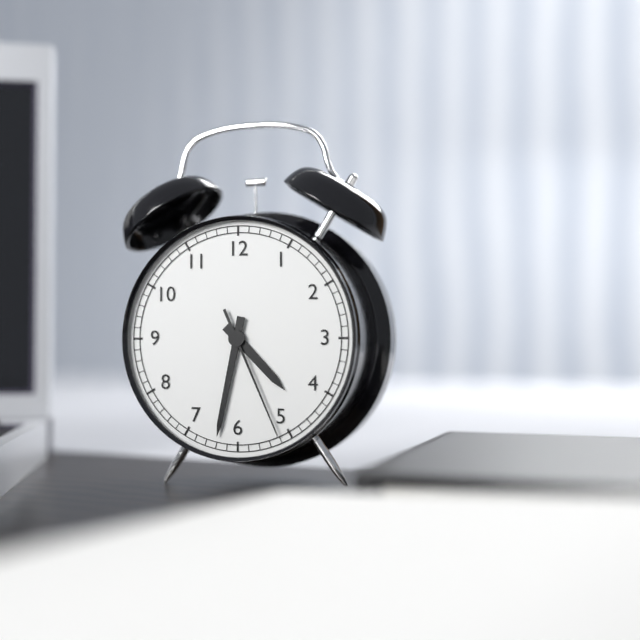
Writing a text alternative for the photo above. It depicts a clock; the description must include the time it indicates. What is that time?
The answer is 4:32:26
